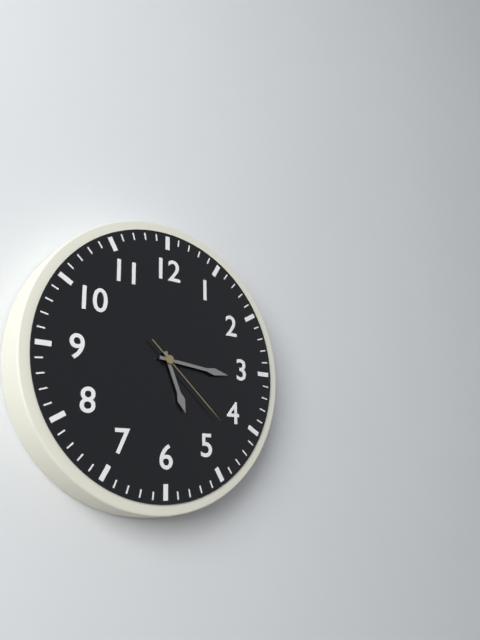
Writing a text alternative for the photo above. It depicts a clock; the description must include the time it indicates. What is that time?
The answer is 5:16:22
